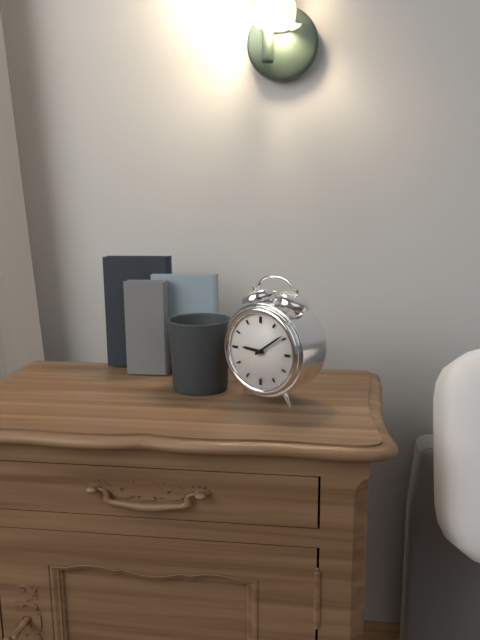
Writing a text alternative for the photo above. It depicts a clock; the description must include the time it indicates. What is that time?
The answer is 9:09
